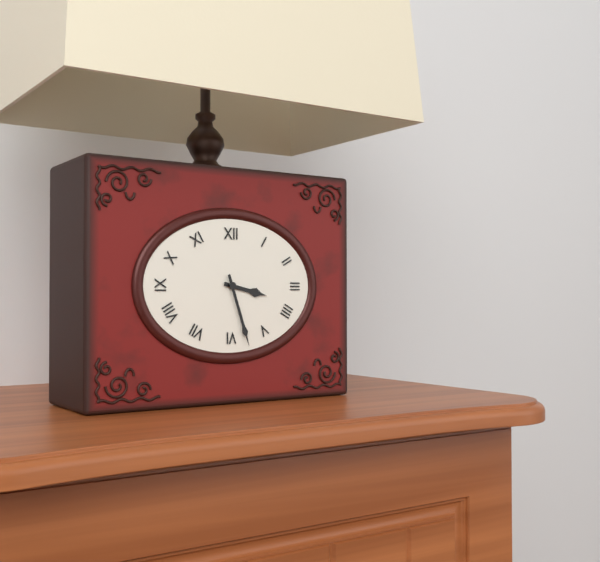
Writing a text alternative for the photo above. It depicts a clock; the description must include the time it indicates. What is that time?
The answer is 3:27
